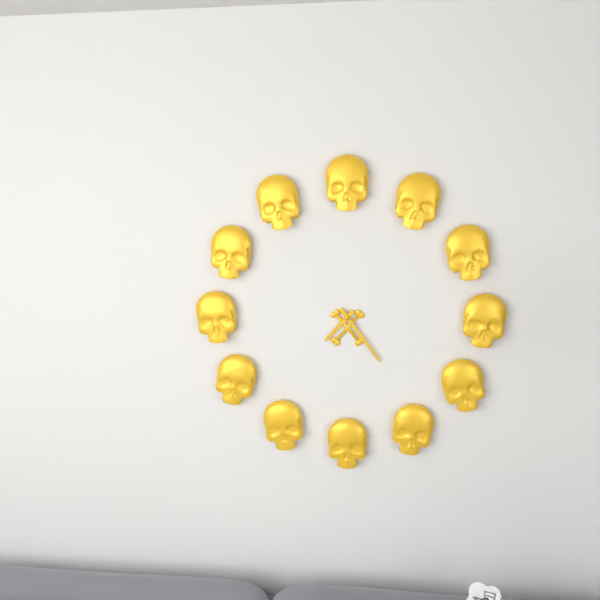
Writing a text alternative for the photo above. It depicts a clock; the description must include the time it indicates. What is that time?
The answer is 7:24
